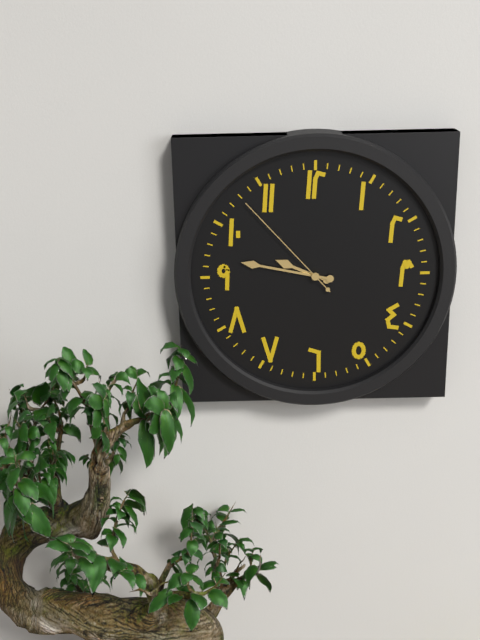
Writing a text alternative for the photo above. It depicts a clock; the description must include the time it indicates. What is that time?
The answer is 9:47:53
